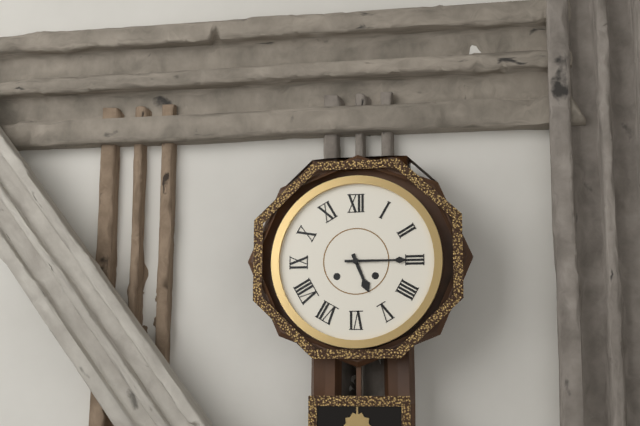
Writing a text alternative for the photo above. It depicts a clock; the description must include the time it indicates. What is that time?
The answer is 5:15
